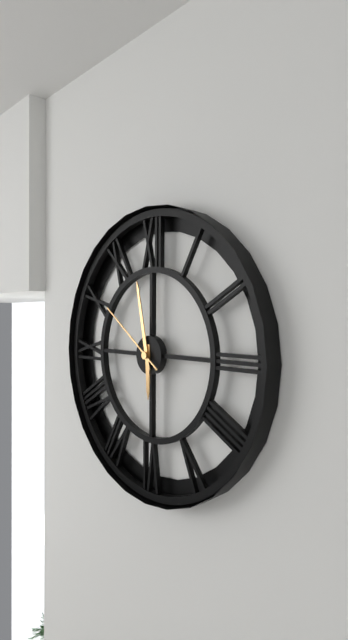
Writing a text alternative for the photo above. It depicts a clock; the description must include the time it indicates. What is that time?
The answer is 5:58:51
